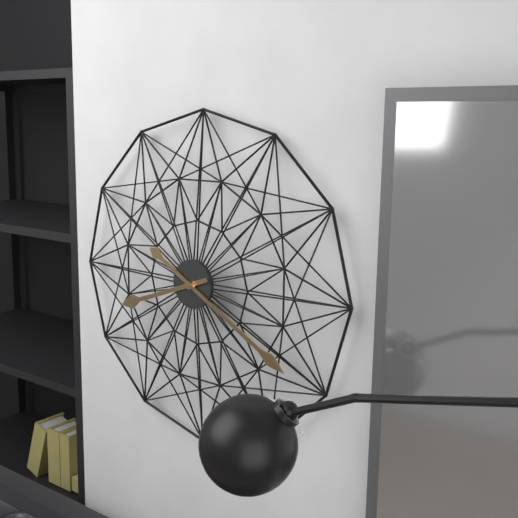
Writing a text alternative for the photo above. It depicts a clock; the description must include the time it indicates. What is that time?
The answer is 8:20
